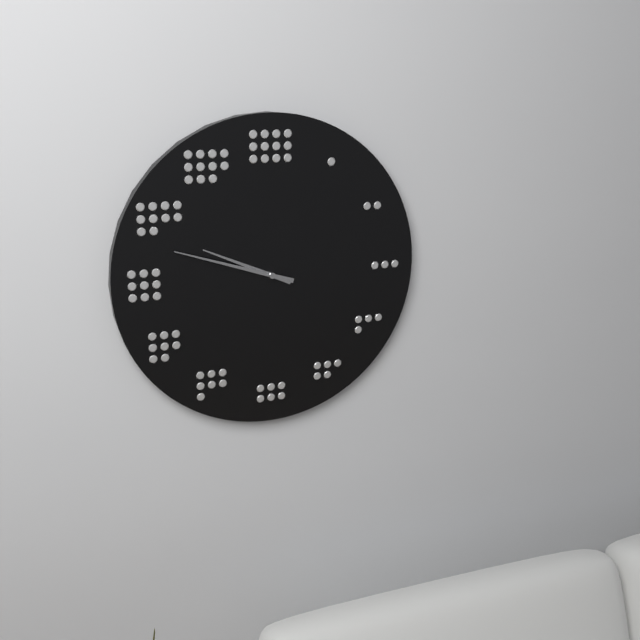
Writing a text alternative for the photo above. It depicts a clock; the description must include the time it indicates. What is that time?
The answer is 9:48
